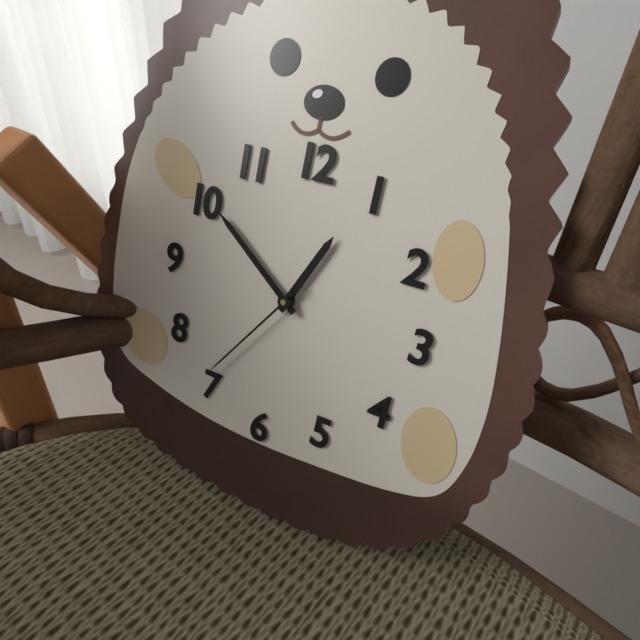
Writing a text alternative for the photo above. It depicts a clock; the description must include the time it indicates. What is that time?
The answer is 12:51:36
